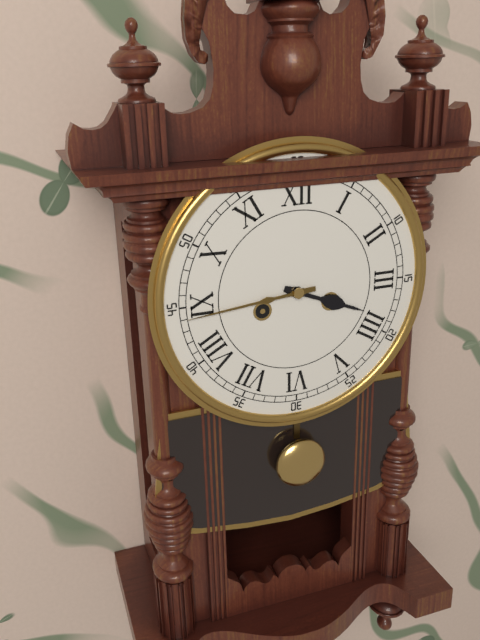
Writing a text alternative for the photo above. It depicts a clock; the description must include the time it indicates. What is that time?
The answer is 3:44
